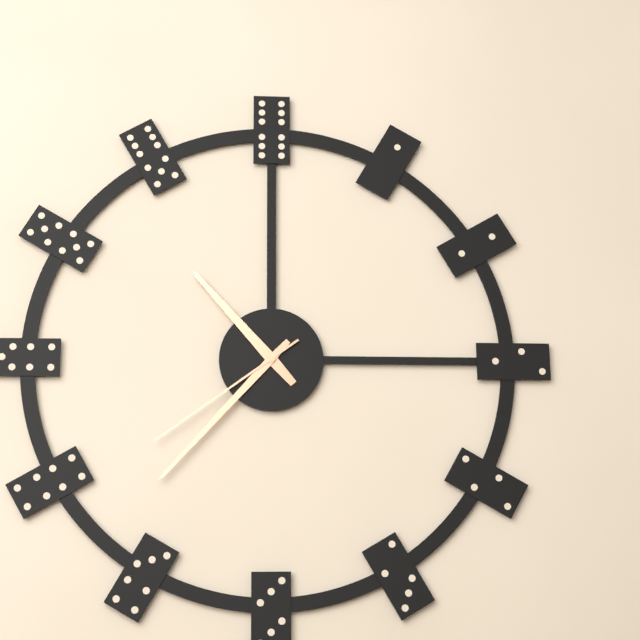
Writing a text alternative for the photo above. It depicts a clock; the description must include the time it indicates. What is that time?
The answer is 10:37:39
